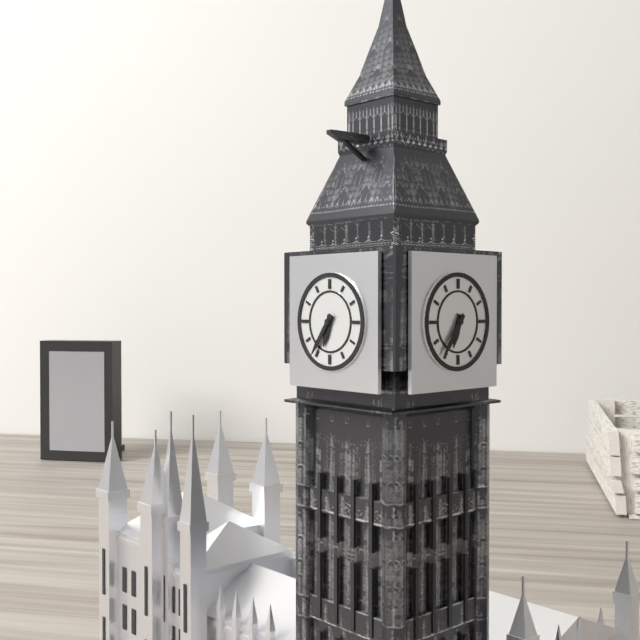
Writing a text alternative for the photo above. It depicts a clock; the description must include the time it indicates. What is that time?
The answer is 6:36
